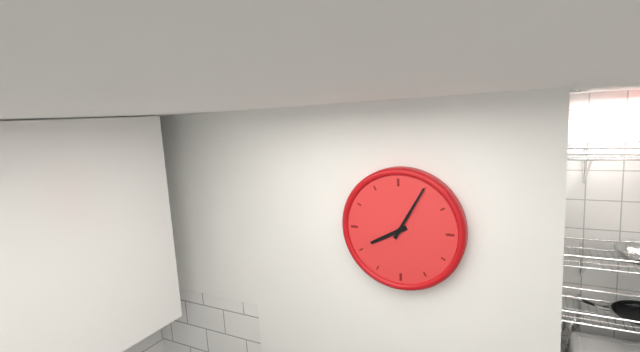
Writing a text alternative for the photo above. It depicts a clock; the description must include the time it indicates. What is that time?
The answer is 8:05
